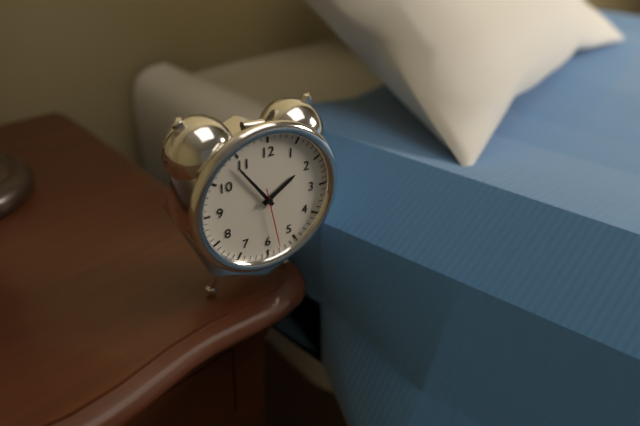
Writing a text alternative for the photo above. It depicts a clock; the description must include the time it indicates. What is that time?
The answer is 1:54:28
